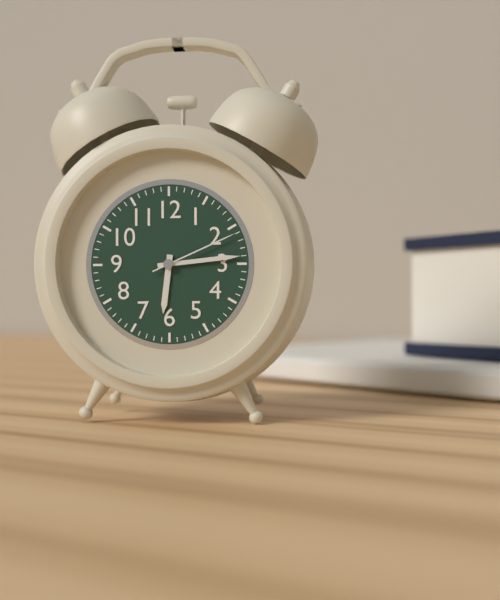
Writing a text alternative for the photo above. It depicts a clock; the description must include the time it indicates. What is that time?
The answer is 6:14:11
